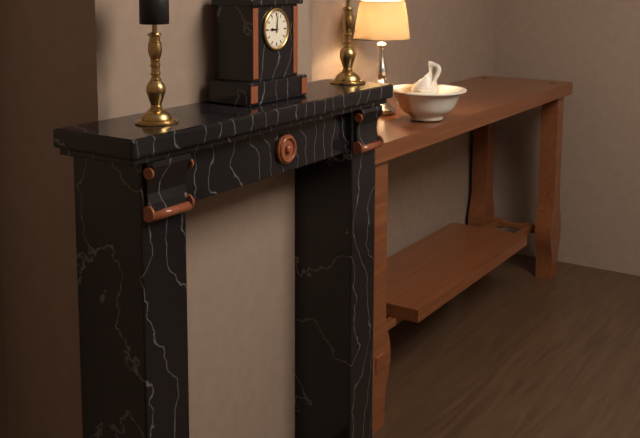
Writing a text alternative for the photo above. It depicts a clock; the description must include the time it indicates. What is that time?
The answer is 9:01
